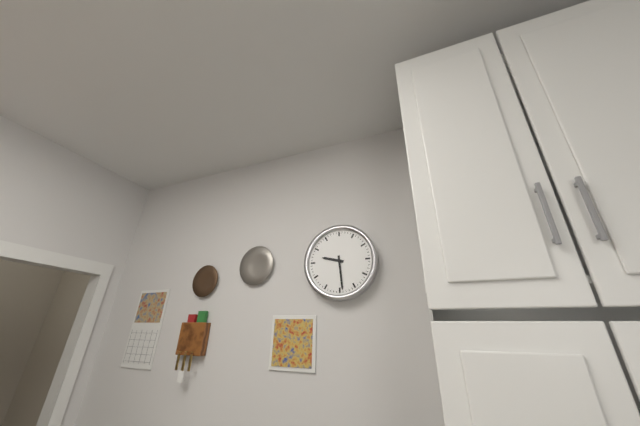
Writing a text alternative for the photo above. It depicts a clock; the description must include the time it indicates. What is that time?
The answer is 9:29
